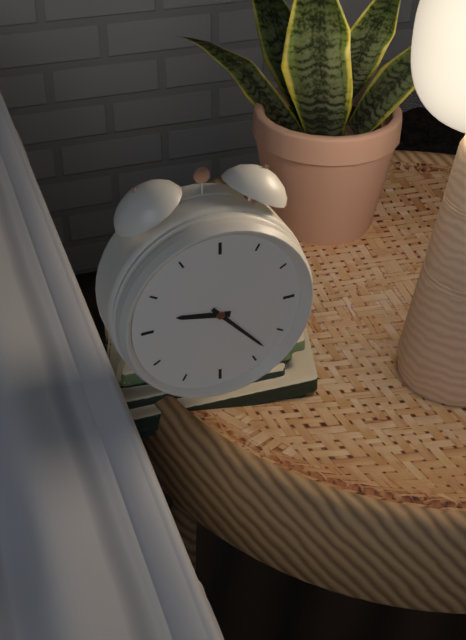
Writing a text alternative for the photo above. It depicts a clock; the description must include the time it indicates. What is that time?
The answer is 9:23
